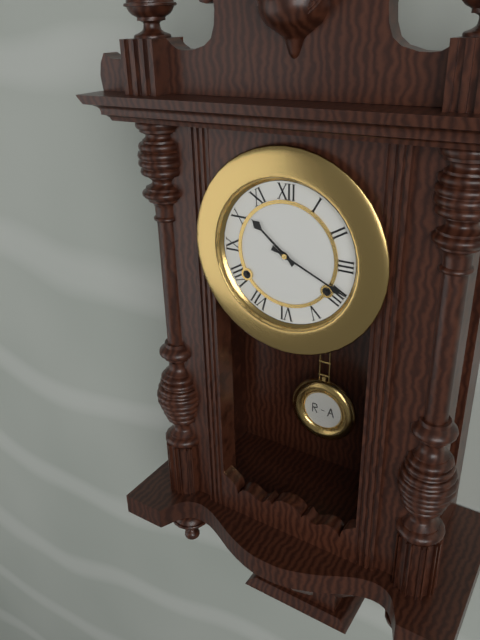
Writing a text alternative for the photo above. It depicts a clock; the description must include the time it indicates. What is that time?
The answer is 10:19
